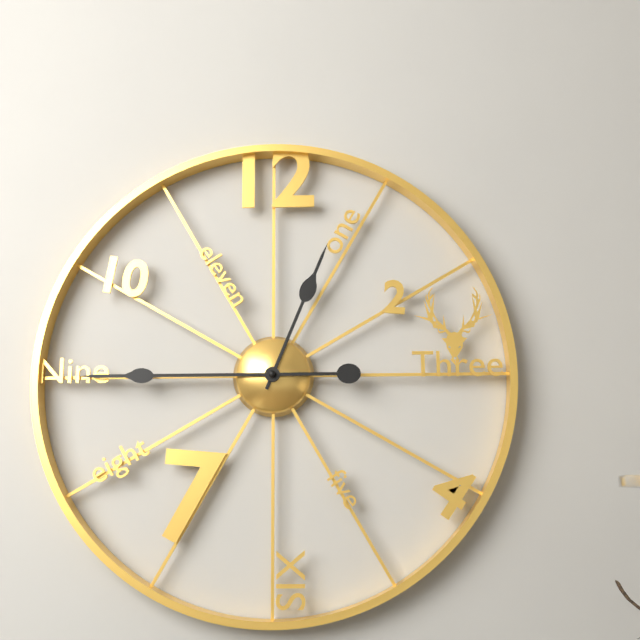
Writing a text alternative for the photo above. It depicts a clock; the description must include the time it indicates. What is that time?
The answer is 12:45
